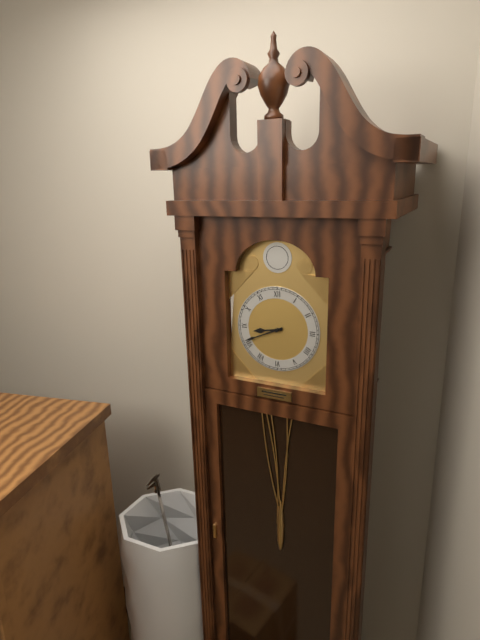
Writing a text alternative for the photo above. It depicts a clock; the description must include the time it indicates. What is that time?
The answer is 8:41
